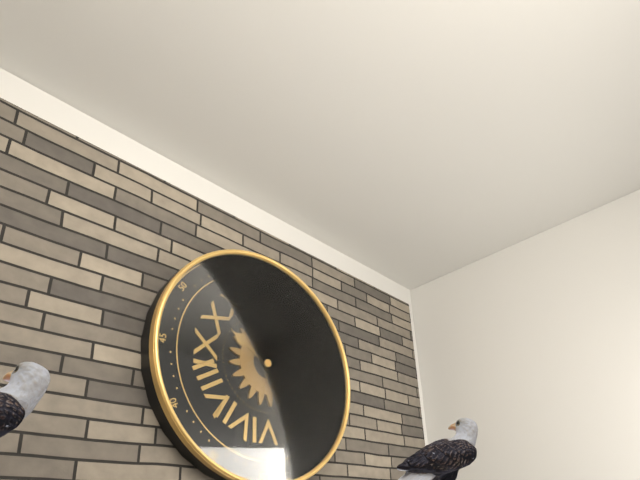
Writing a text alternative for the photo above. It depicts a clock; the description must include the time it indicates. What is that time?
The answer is 10:00
